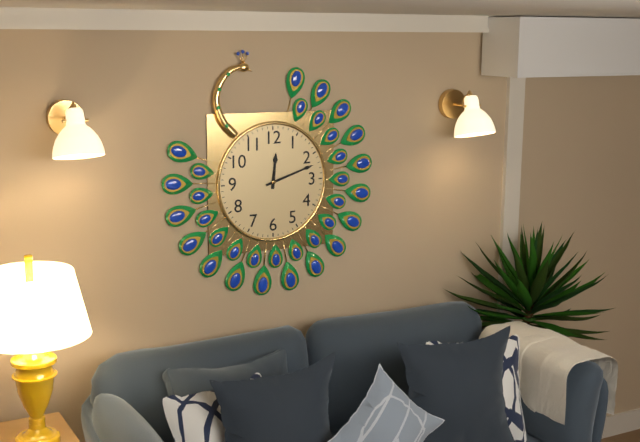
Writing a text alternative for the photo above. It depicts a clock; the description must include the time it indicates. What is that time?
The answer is 12:12
